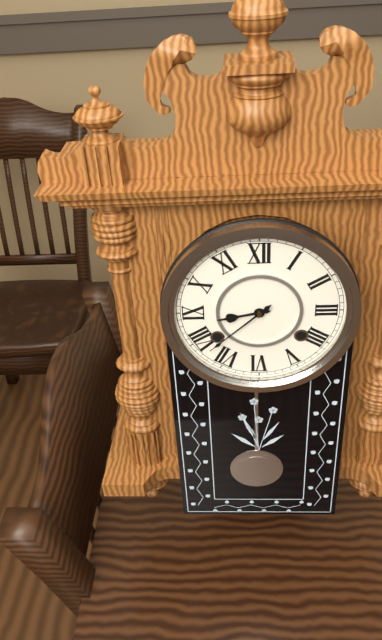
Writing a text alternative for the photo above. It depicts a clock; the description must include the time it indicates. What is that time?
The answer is 8:38
